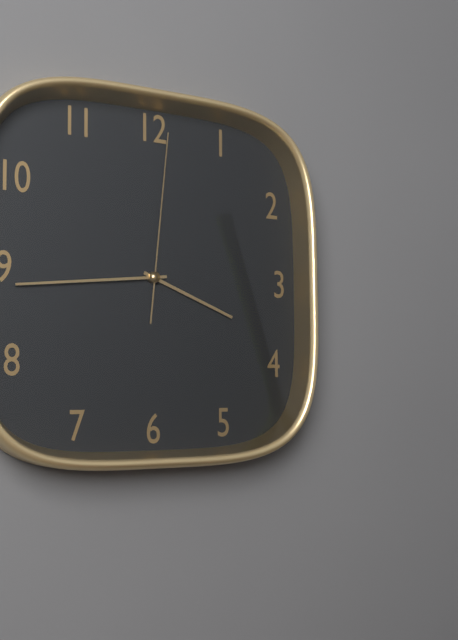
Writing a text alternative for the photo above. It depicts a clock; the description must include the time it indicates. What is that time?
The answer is 3:44:01
